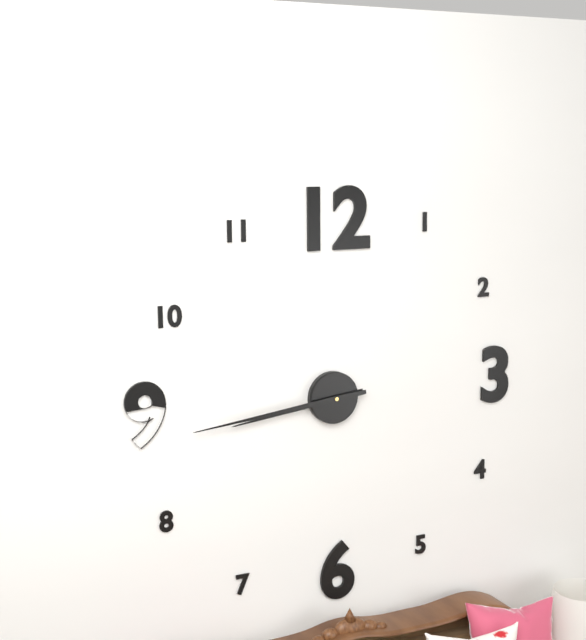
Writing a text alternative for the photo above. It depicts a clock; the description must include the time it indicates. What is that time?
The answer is 8:44
